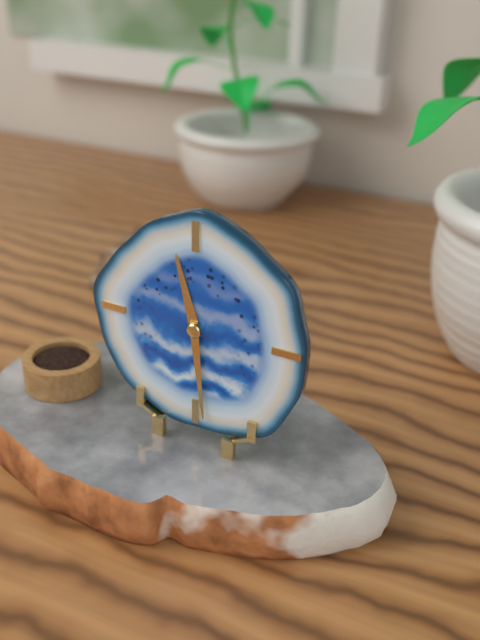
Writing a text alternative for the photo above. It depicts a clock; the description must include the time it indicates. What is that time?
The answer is 11:29
